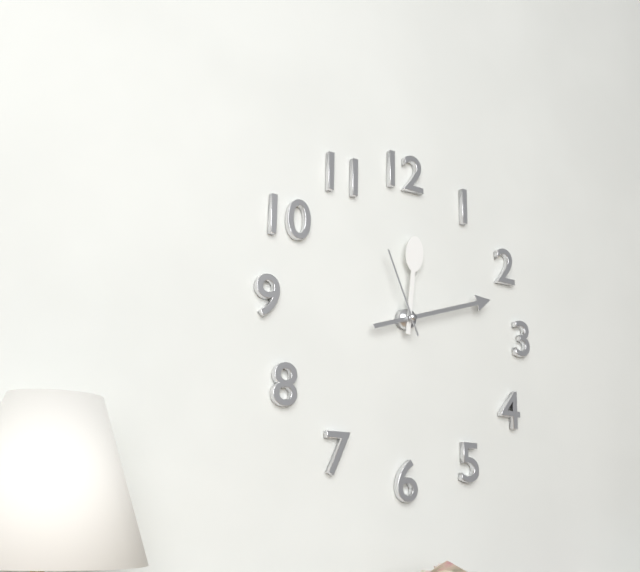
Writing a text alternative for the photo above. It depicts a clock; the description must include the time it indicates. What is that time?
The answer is 12:12:56
